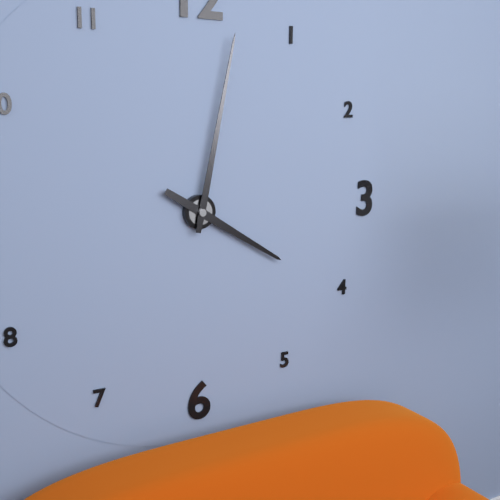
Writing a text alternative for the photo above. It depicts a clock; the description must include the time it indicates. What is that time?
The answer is 4:02
